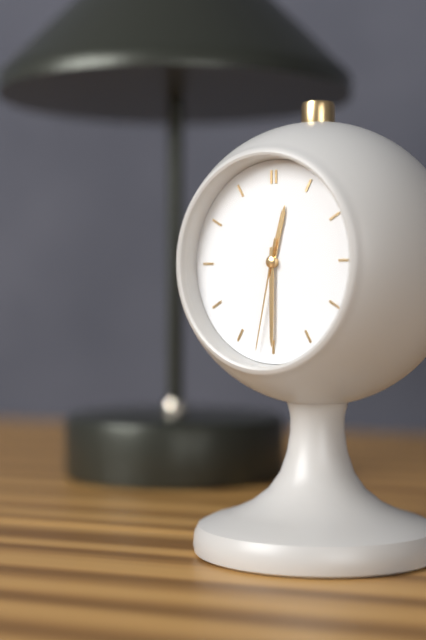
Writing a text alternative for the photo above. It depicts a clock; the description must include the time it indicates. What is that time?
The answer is 12:30:32
